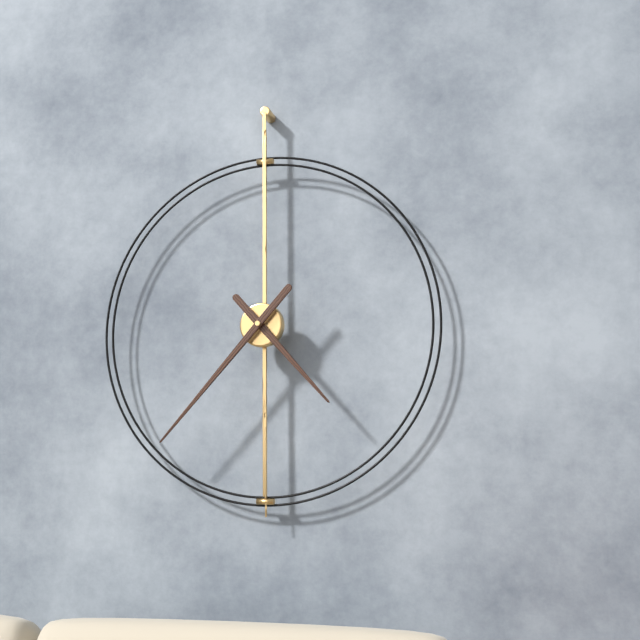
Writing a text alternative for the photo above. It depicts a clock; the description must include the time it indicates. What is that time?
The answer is 4:37
